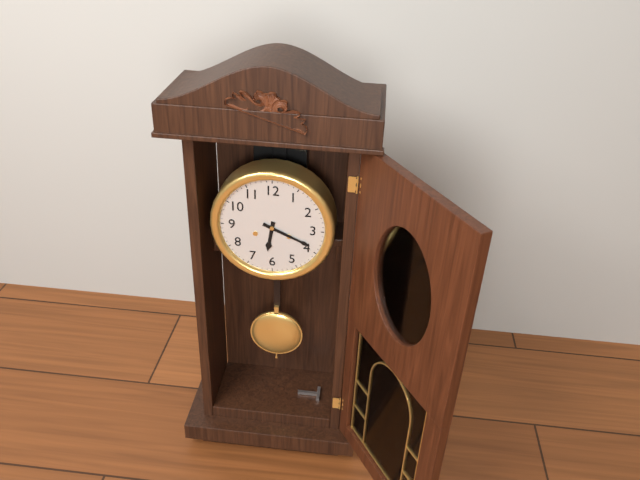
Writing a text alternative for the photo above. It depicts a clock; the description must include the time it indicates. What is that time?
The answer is 6:19
